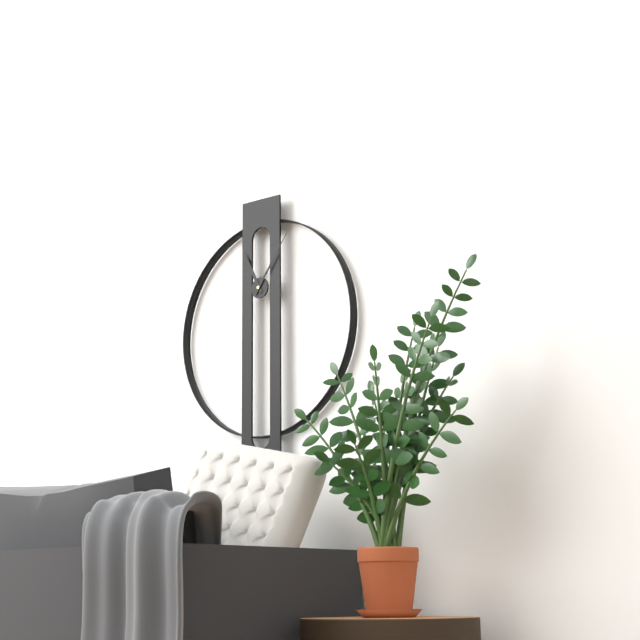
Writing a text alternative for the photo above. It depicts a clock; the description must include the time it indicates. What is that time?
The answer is 11:06
